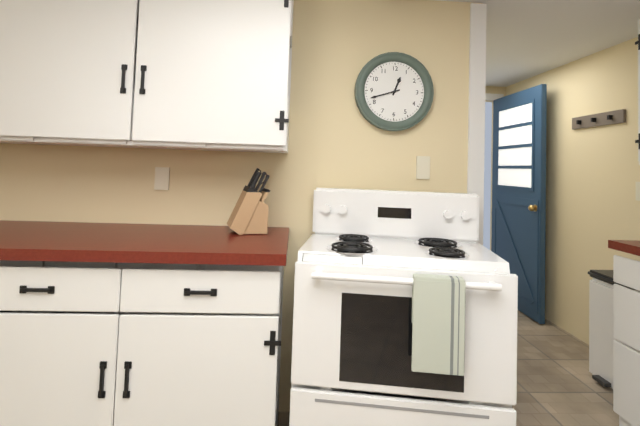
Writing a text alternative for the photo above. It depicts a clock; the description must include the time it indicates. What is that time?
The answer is 12:42
